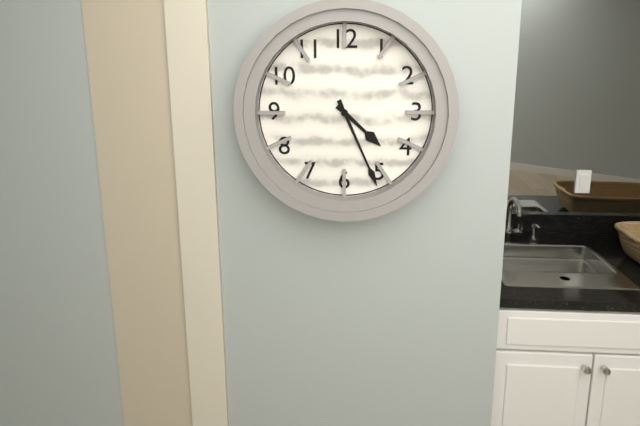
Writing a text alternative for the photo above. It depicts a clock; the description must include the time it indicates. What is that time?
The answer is 4:26
